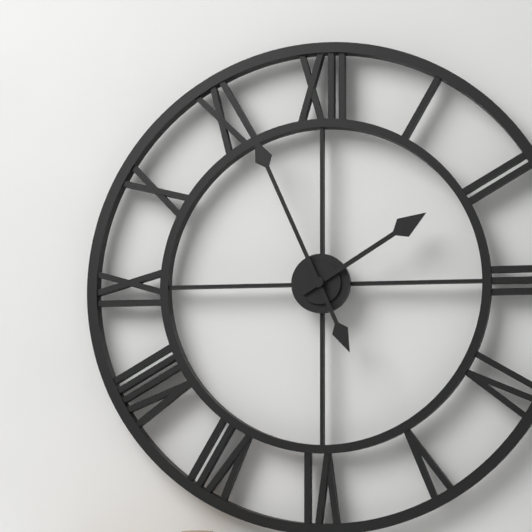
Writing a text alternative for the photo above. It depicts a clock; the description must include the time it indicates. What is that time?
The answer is 1:56
